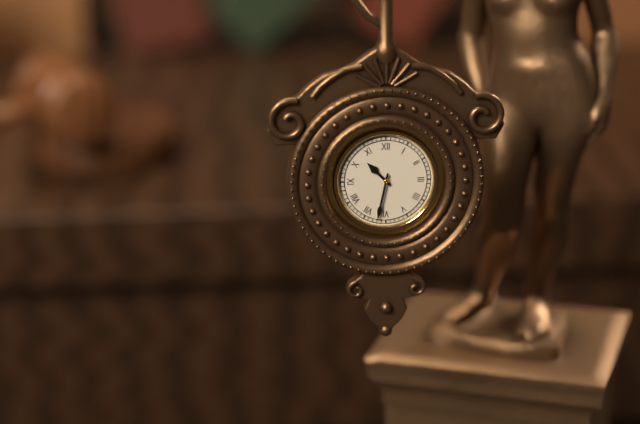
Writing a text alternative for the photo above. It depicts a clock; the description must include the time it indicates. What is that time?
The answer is 10:32
